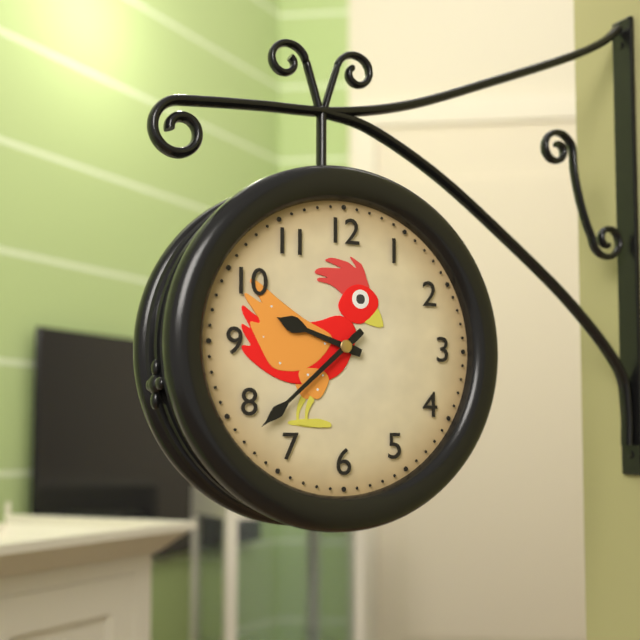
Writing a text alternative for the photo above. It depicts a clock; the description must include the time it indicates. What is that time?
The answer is 9:38
